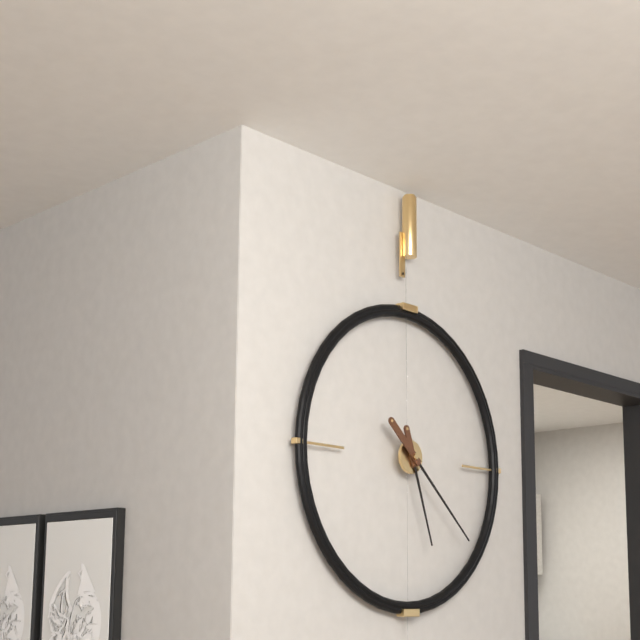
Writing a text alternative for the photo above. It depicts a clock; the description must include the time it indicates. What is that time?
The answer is 5:22
